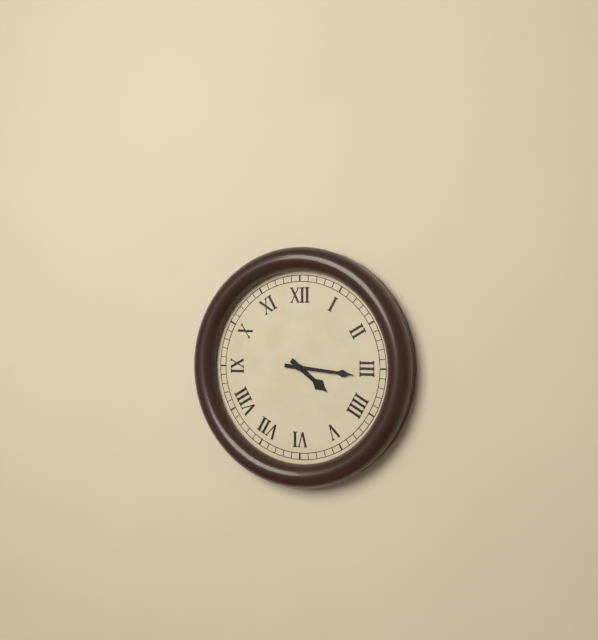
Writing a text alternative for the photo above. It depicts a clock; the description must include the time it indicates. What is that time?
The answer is 4:16
